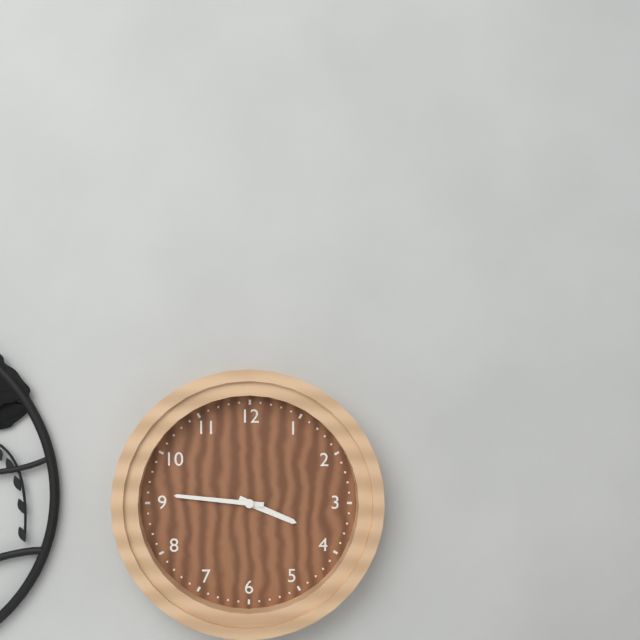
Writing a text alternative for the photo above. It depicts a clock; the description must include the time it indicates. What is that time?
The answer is 3:46
